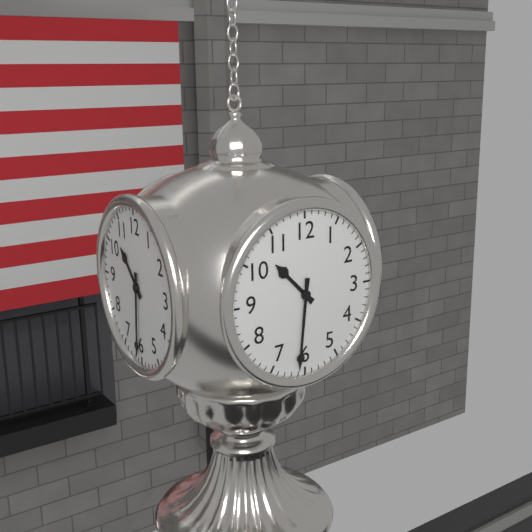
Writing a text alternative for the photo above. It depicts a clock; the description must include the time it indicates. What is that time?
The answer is 10:31
